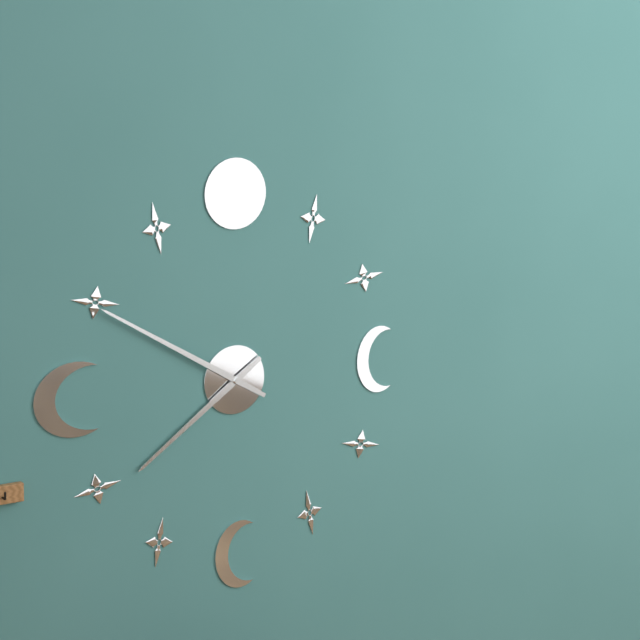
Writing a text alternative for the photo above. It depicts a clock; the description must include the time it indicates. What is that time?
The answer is 7:50
